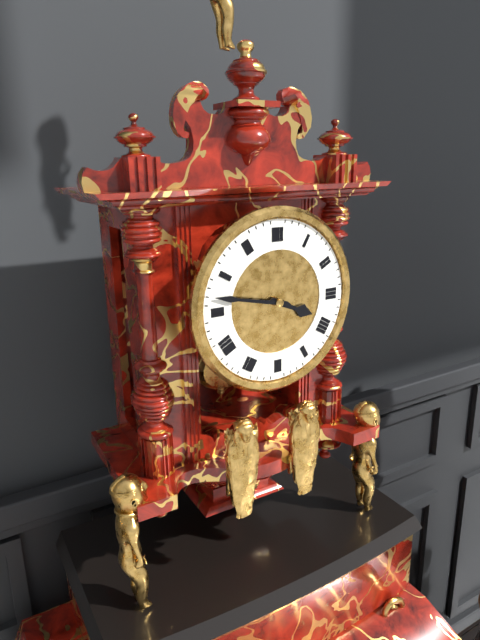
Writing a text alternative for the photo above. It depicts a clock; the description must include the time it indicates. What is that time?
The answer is 3:47
